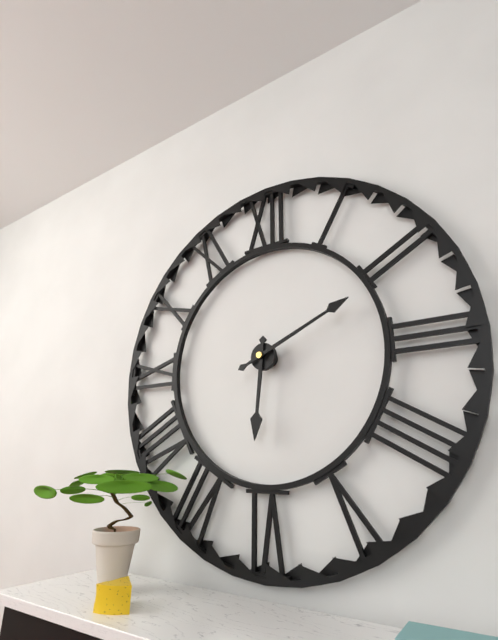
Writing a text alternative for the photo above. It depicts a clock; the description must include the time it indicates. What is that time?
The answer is 6:11
